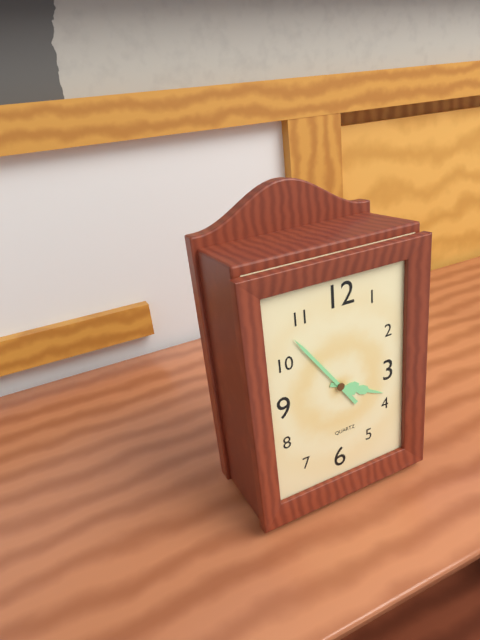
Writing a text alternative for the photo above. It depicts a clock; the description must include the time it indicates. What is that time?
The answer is 3:54
